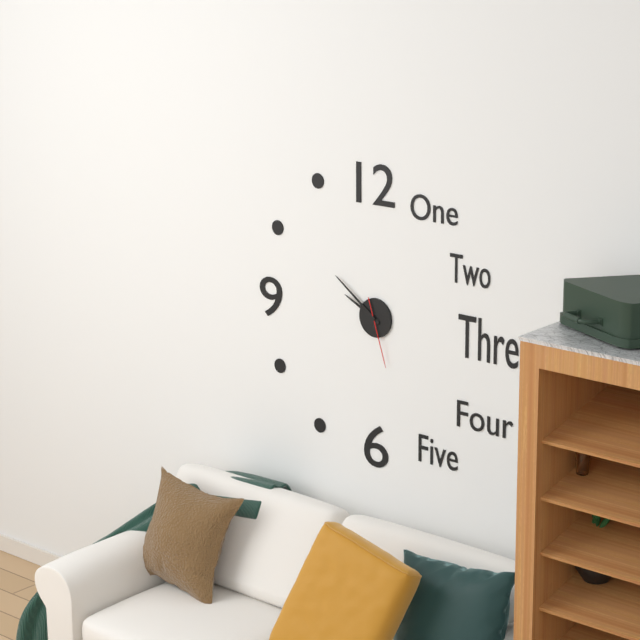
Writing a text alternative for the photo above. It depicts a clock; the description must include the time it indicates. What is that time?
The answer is 9:51:27
